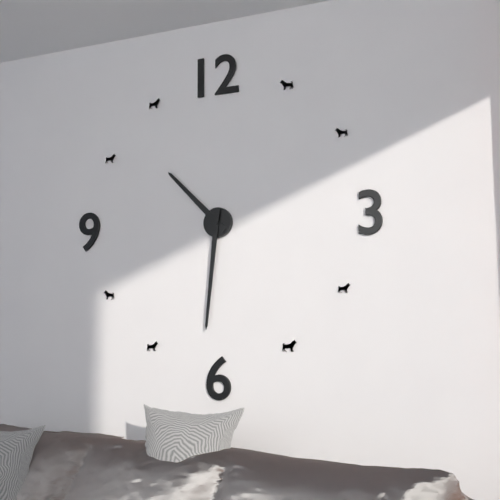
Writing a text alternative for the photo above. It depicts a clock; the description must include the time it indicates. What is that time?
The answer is 10:31
